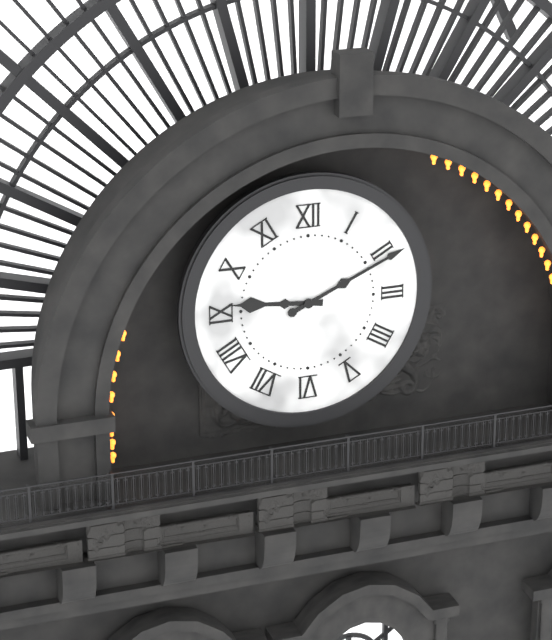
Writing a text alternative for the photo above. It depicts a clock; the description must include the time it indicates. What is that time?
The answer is 9:11
